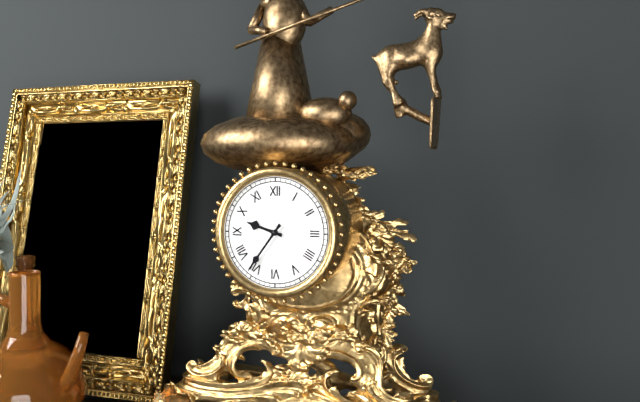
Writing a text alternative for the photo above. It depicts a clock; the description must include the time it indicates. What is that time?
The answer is 9:36
